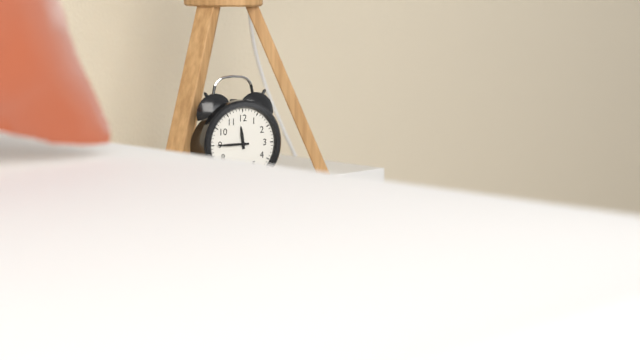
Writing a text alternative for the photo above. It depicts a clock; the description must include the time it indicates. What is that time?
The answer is 11:45
